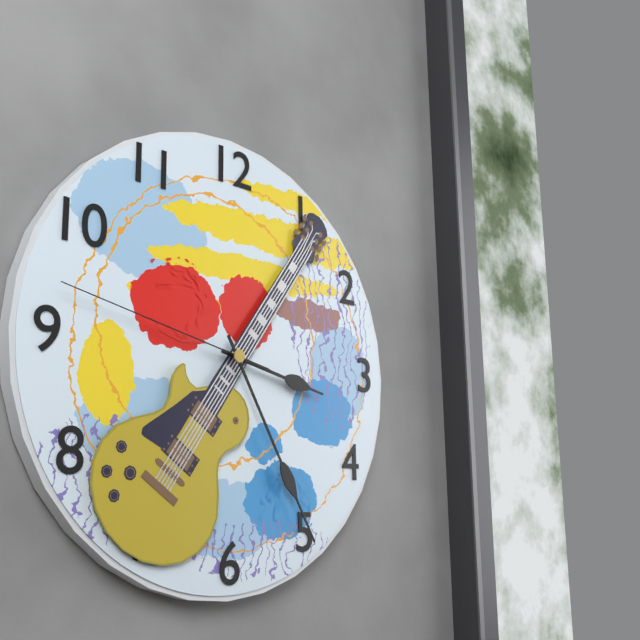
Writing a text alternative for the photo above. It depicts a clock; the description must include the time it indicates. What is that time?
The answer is 3:25:47
